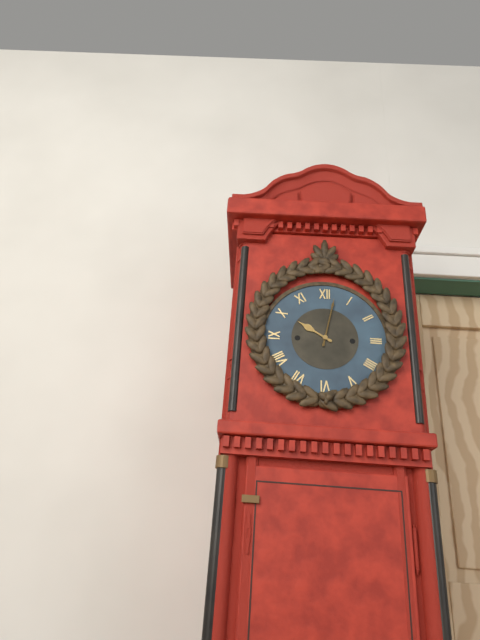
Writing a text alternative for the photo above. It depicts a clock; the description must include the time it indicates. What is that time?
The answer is 10:02
